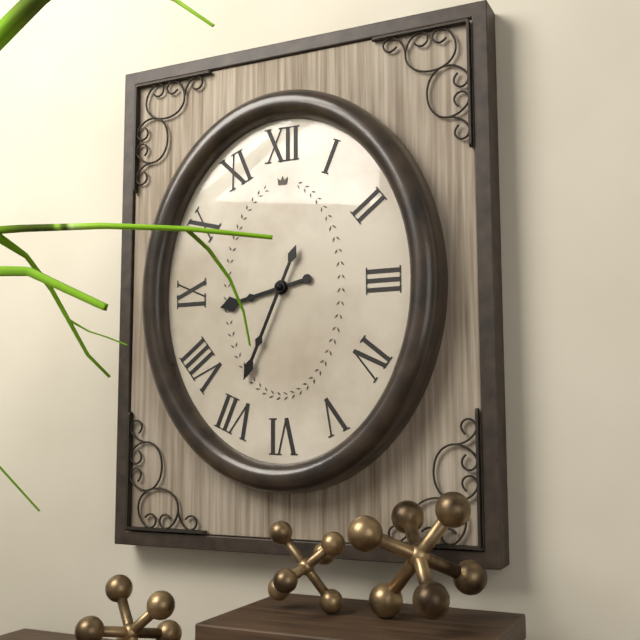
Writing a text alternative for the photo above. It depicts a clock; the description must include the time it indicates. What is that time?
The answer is 8:34
